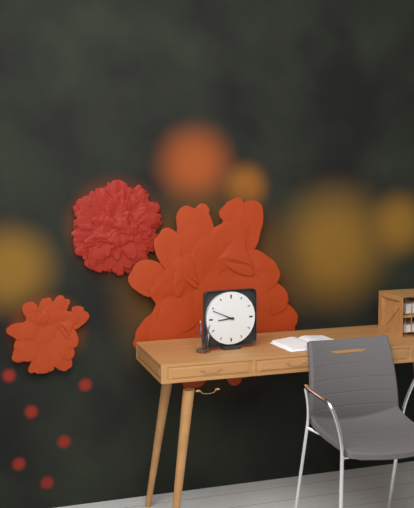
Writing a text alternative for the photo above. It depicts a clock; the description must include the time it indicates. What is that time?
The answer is 8:49
